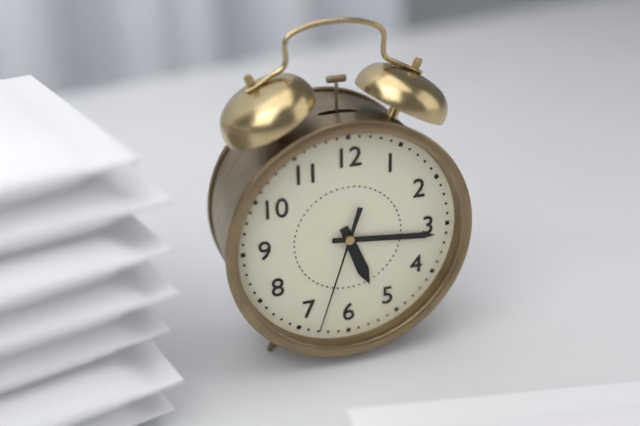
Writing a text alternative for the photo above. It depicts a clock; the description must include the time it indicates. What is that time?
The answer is 5:16:33
